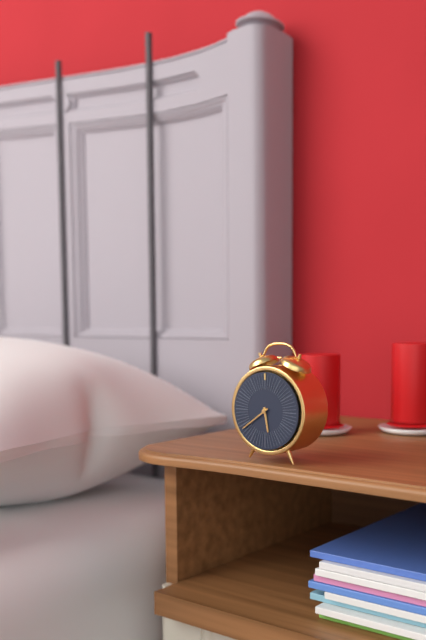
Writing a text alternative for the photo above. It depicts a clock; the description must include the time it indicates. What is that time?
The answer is 5:39
